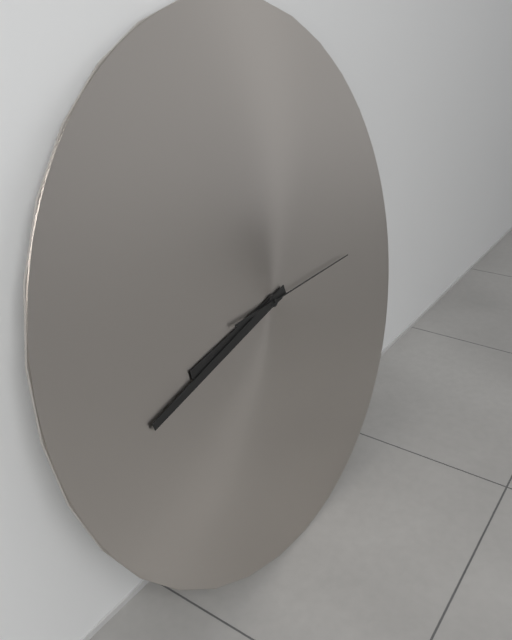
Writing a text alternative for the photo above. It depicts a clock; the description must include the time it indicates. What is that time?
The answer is 8:43:15
